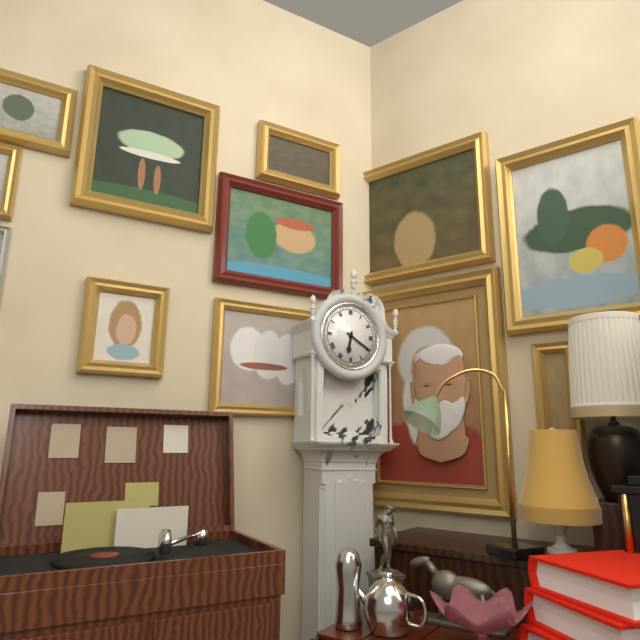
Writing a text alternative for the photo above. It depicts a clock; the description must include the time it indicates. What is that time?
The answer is 6:20
